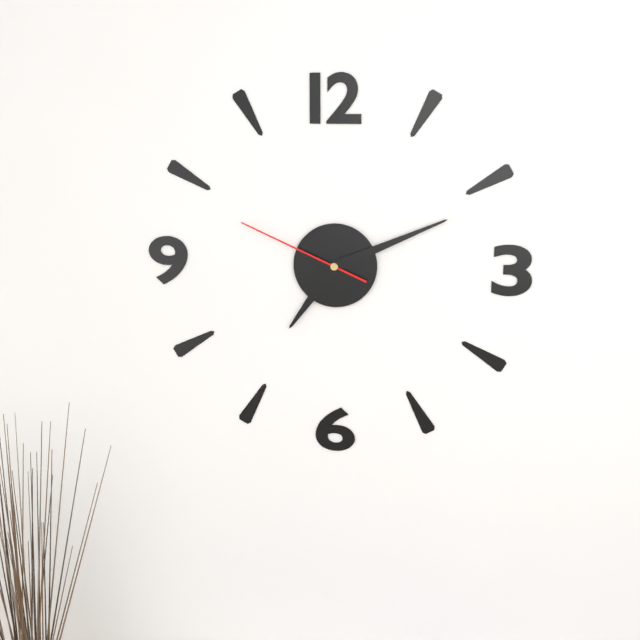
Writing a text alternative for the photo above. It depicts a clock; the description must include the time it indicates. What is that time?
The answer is 7:11:49
